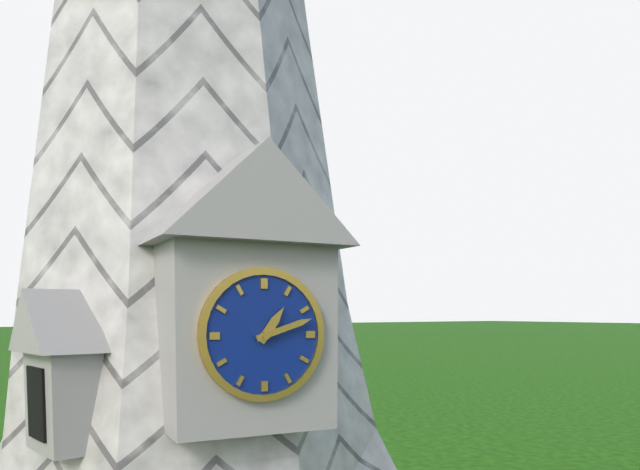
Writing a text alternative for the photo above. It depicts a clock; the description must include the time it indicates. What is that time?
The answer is 1:12
